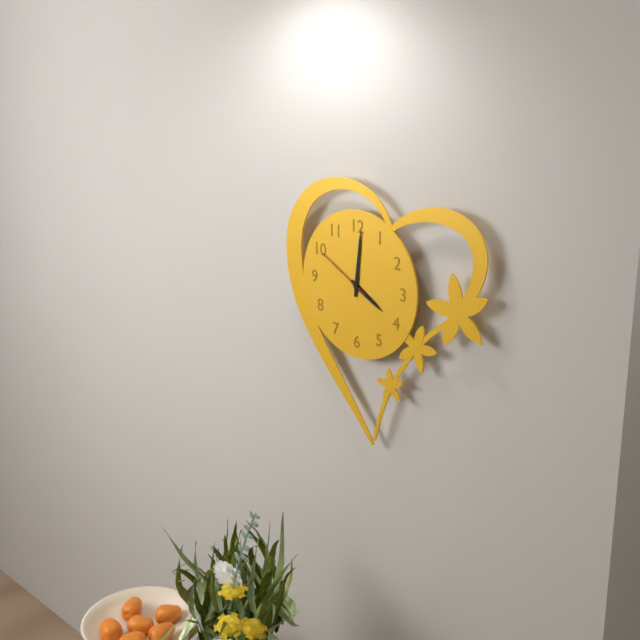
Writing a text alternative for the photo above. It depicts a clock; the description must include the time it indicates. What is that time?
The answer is 4:01:50
